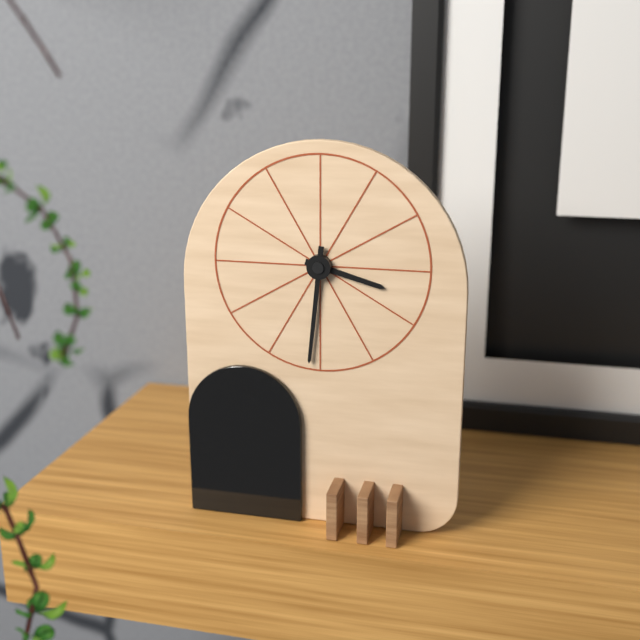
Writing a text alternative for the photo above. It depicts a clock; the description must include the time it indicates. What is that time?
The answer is 3:31
